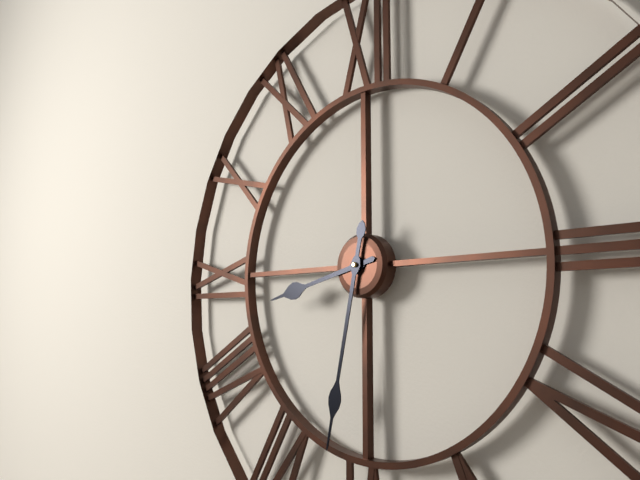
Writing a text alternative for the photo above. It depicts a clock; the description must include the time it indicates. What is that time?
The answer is 8:32
